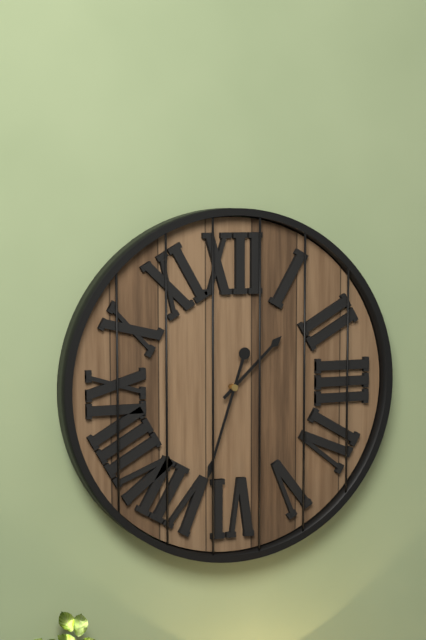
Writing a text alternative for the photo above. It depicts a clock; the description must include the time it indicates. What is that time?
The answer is 1:33
